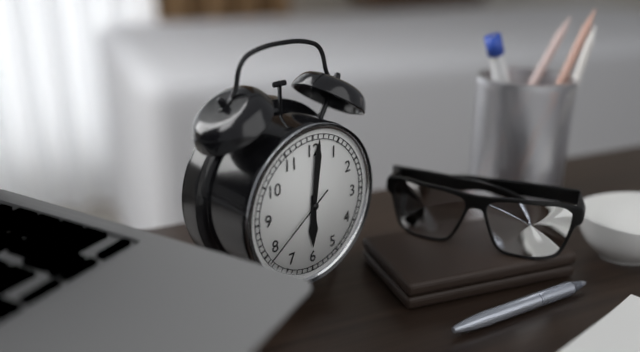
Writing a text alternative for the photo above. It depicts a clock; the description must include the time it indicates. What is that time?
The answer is 6:01:39
